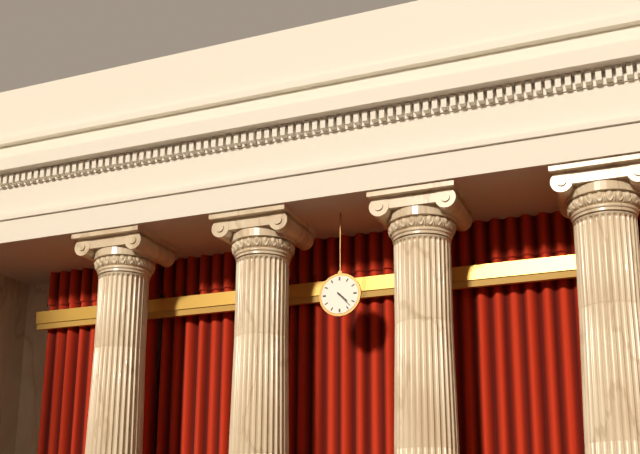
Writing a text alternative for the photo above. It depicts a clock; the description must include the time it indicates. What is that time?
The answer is 4:23
